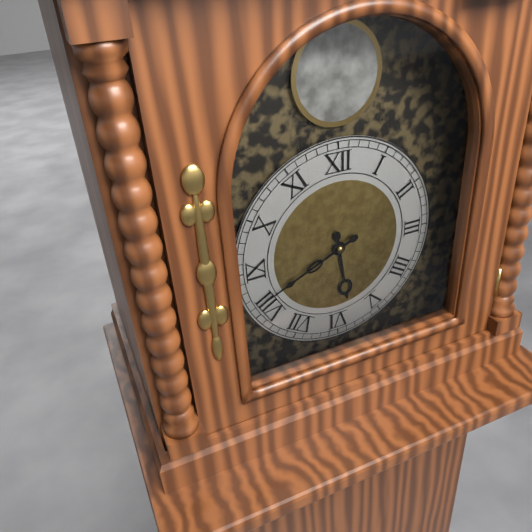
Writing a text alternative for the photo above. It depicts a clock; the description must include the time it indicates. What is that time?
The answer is 5:41
